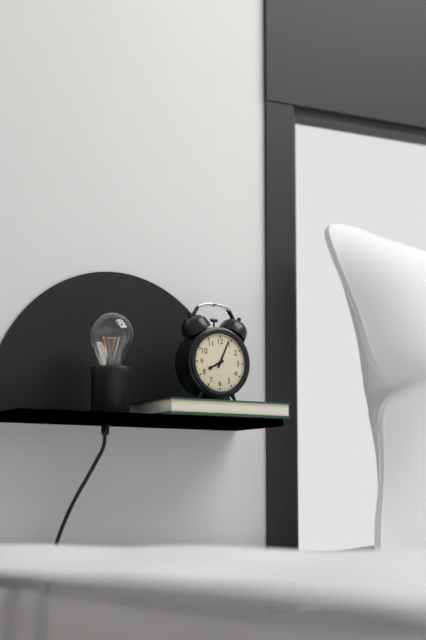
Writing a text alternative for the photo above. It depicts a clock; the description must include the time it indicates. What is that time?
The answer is 8:04
